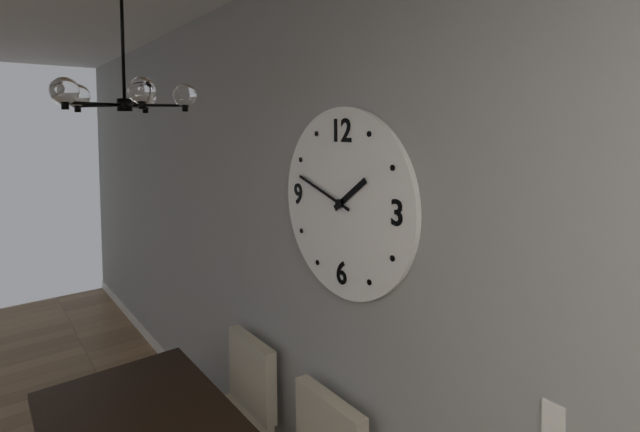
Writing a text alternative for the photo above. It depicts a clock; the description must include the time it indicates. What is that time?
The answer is 1:48
